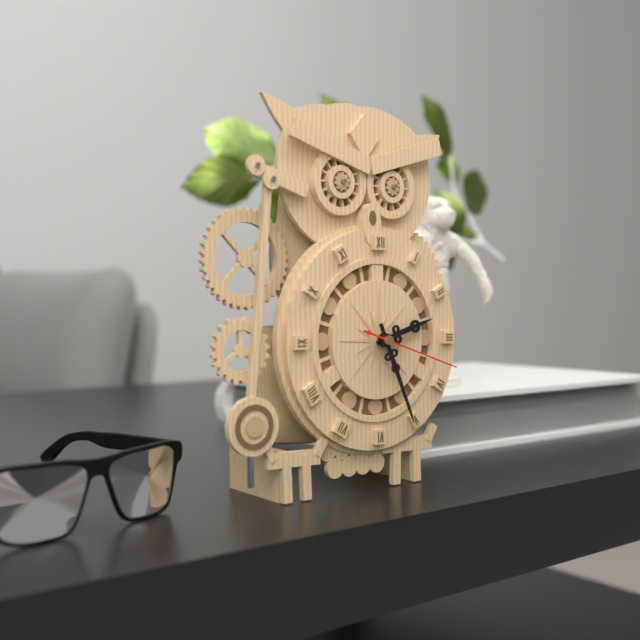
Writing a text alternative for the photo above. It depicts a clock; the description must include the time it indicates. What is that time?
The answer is 2:26:18
